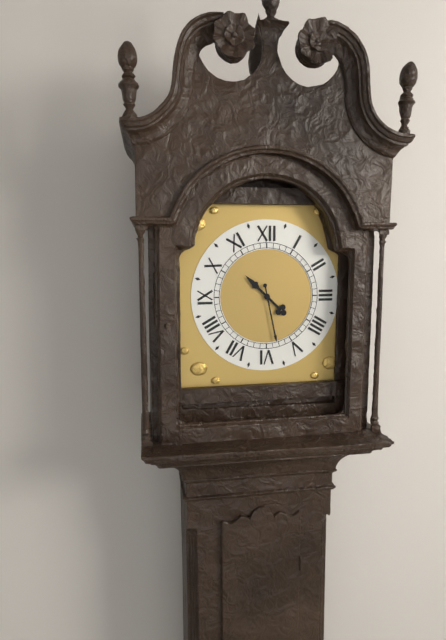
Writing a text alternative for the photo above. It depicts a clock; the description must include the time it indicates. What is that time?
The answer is 10:28
